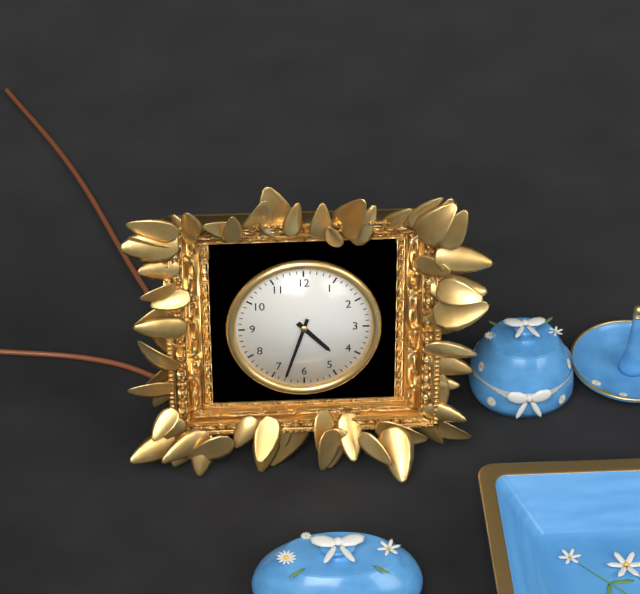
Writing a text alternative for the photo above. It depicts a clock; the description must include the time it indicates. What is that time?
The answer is 4:33
